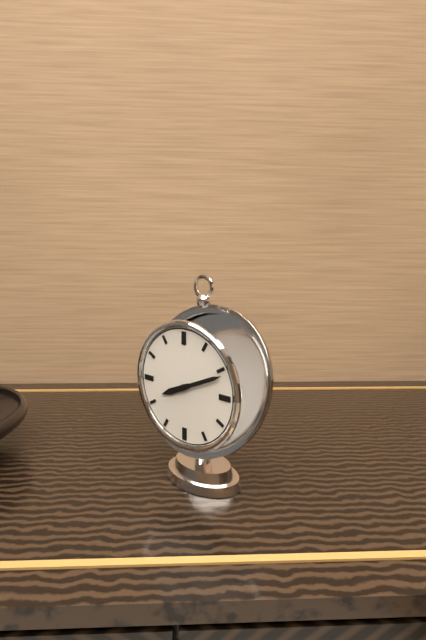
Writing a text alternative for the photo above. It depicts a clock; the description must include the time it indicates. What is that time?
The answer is 8:11
